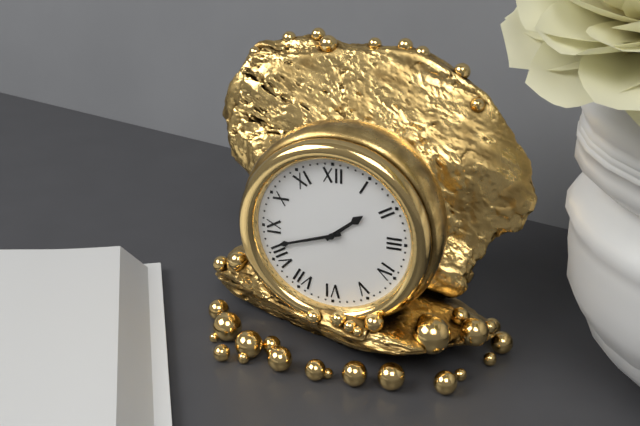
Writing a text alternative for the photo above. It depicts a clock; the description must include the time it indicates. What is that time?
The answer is 1:42
